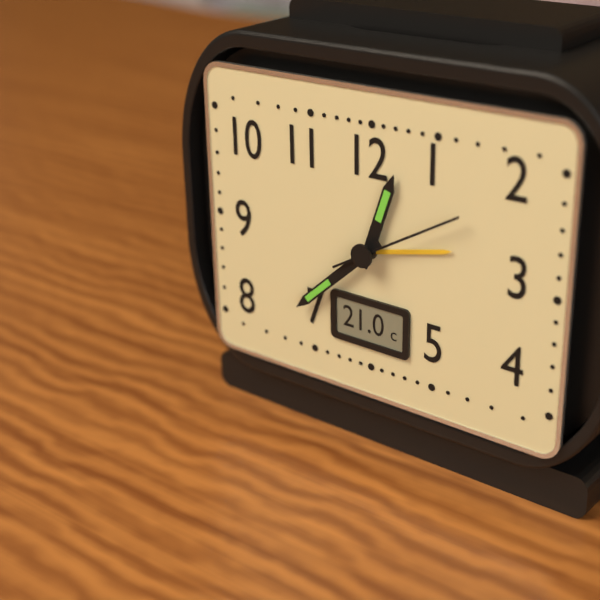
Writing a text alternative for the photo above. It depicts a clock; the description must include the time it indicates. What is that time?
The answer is 12:38:10
